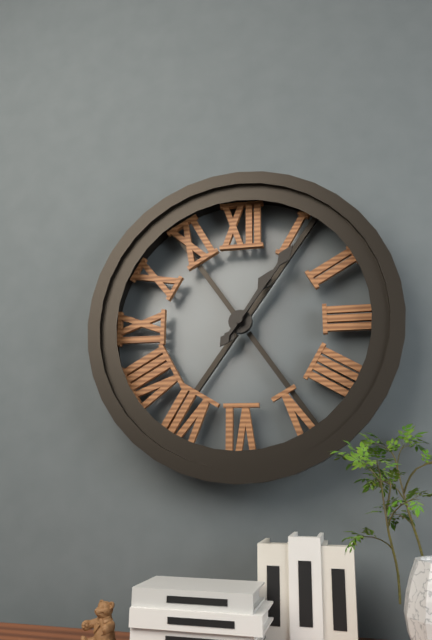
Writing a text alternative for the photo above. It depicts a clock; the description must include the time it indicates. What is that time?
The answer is 1:06
